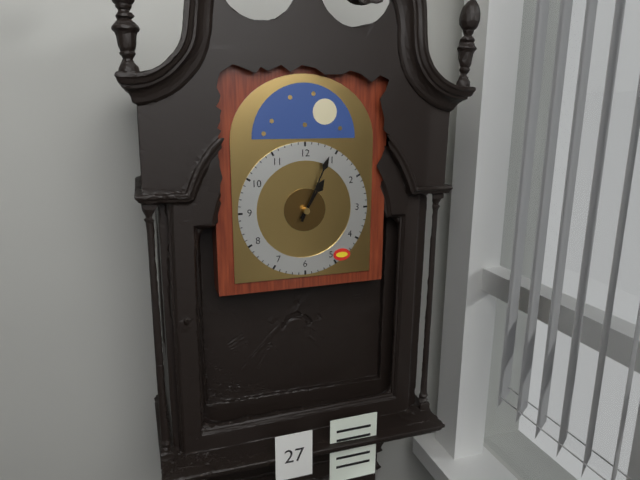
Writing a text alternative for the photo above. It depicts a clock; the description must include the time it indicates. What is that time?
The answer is 1:04
